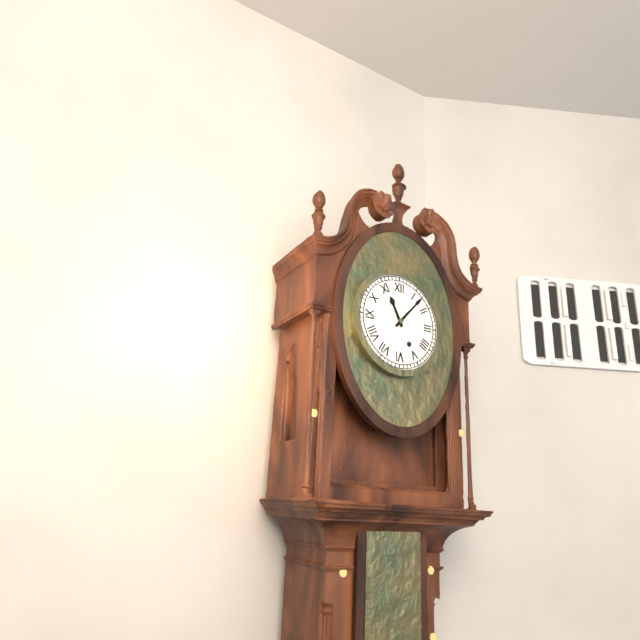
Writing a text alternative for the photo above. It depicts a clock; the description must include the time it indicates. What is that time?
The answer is 11:07
